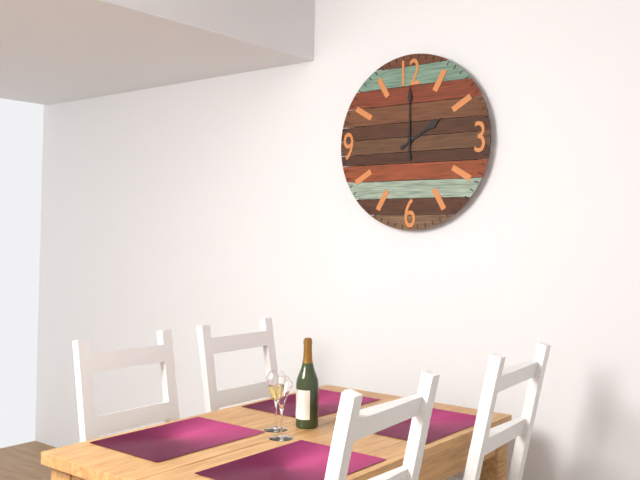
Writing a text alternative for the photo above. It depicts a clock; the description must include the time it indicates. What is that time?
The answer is 2:00
